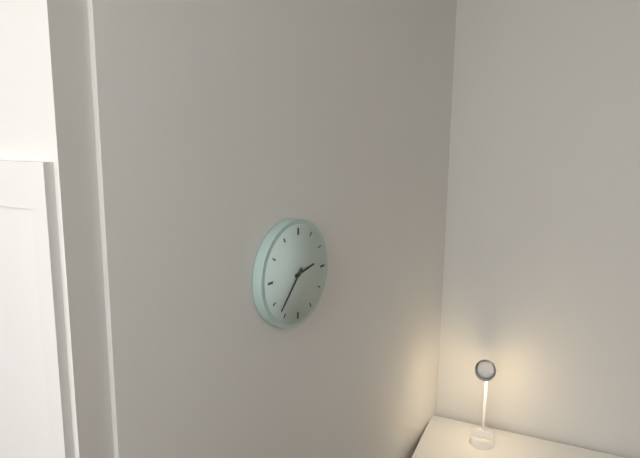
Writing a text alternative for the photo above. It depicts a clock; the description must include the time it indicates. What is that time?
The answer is 2:37
